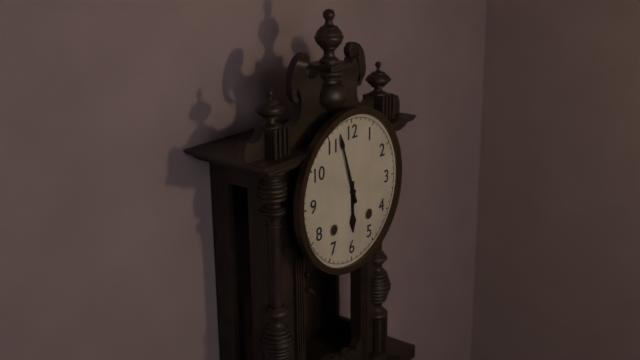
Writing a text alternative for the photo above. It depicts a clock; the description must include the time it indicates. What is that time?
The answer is 5:57
